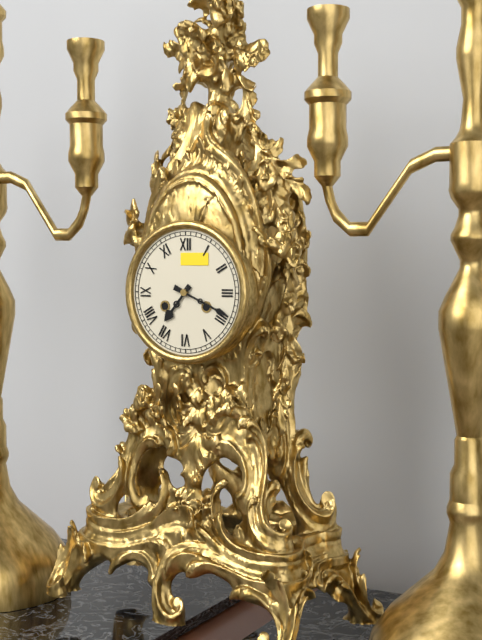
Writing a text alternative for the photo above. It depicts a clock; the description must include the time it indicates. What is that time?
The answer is 7:19
